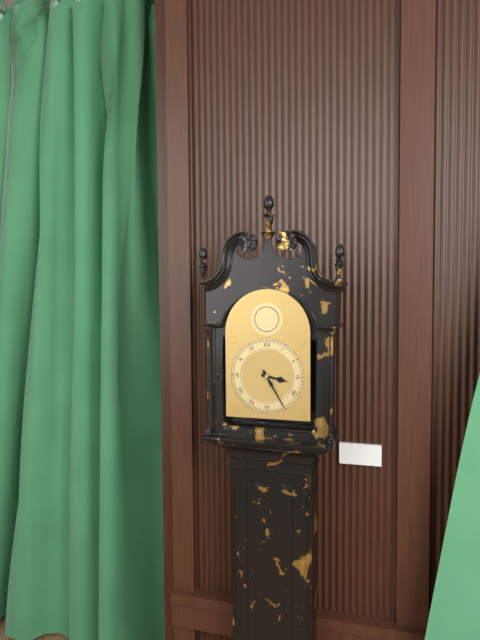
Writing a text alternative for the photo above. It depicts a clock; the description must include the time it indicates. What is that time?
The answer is 3:25
